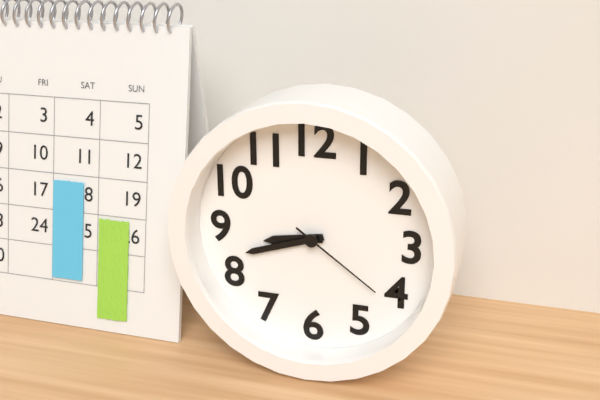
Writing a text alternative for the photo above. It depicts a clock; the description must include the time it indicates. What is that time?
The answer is 8:42:21
